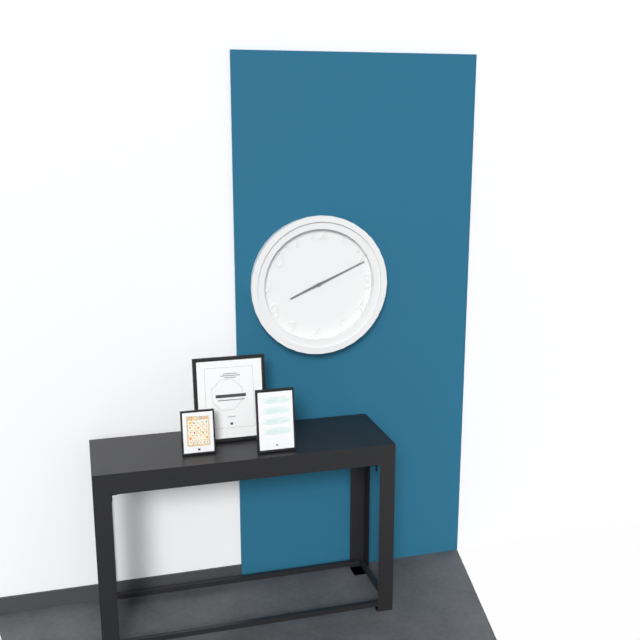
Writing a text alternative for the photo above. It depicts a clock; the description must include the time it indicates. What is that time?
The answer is 8:11
